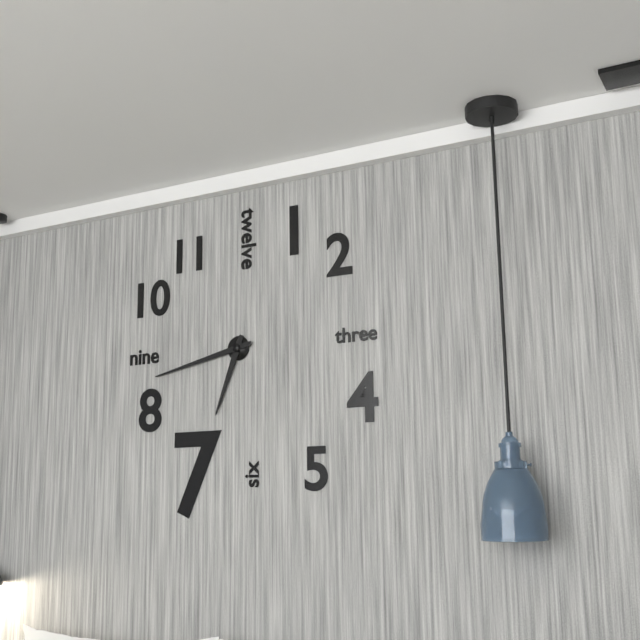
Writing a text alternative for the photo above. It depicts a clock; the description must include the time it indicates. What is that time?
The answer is 6:43
